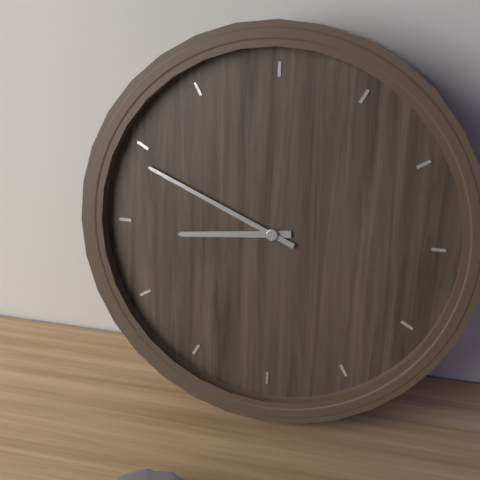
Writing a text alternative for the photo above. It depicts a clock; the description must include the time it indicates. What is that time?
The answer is 8:49
